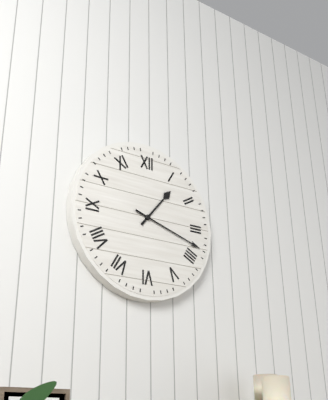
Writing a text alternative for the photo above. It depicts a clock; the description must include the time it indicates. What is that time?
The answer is 1:18
